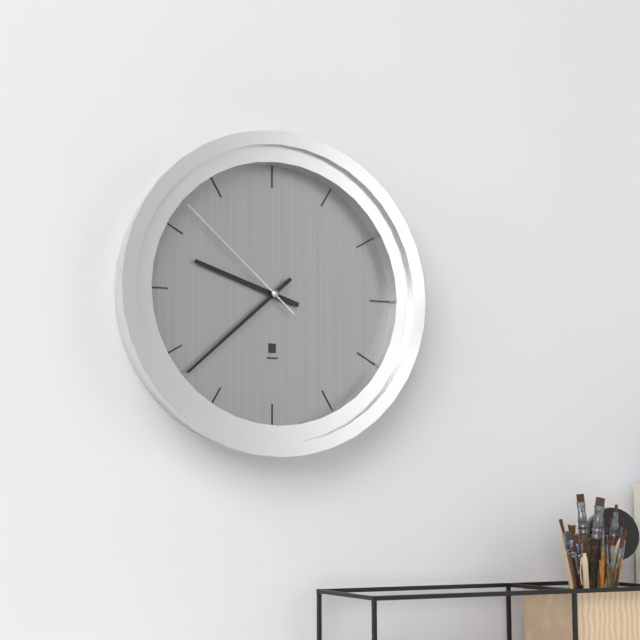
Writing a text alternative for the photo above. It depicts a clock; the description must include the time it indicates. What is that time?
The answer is 9:38:52
